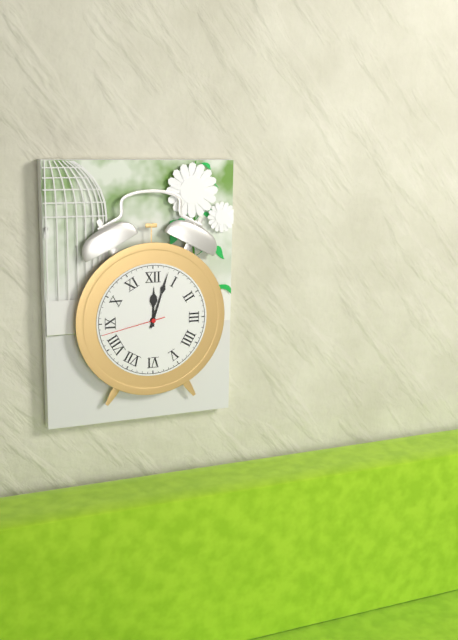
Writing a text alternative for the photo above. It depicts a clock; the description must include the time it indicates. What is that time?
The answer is 12:03:43
